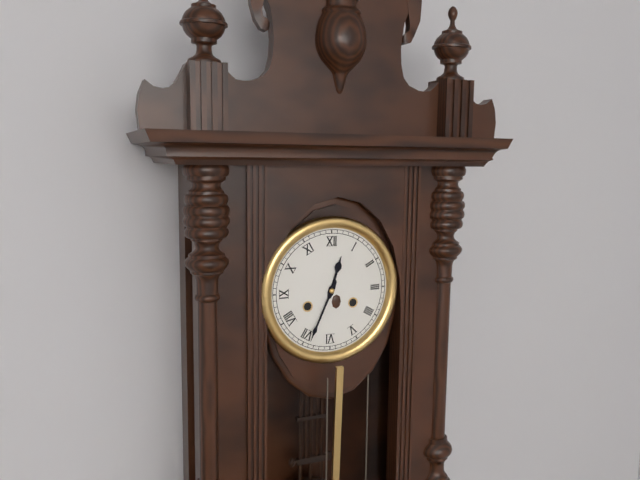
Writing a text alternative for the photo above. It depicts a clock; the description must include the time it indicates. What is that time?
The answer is 12:34
